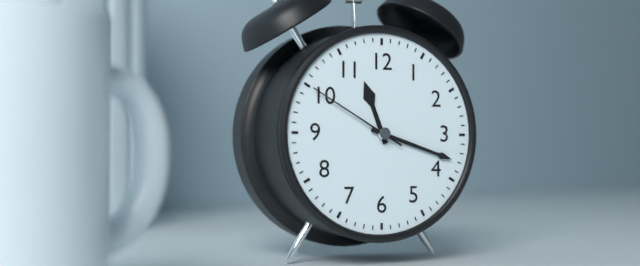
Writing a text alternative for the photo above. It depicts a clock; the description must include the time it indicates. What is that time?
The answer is 11:18:50
